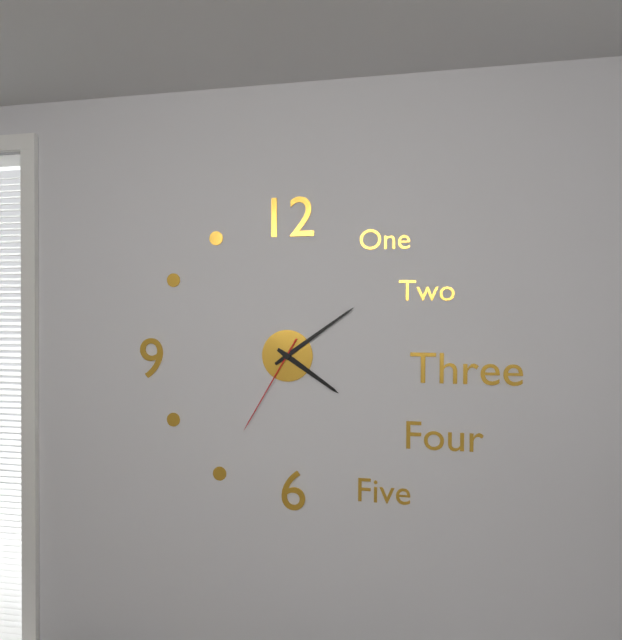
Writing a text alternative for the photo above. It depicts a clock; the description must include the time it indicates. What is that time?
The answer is 4:09:35
